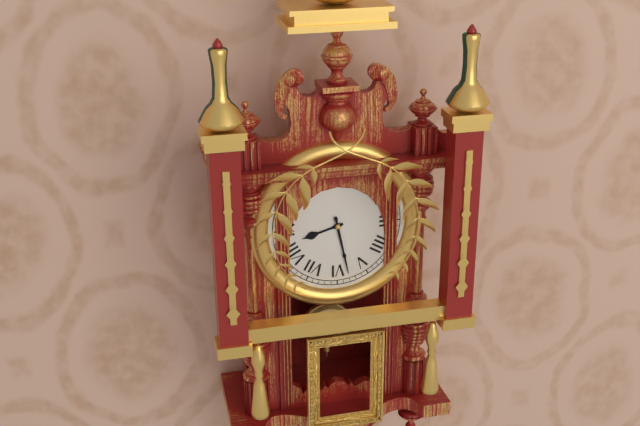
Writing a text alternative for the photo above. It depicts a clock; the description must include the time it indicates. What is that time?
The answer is 8:28
